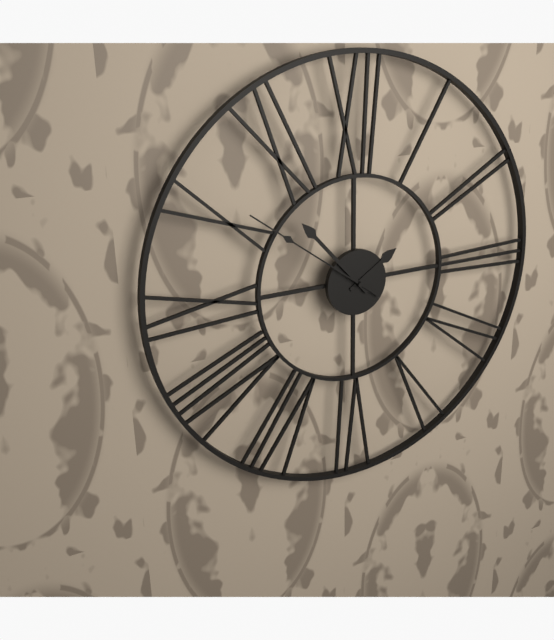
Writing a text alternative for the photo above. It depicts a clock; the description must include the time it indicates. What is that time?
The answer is 1:53:51
